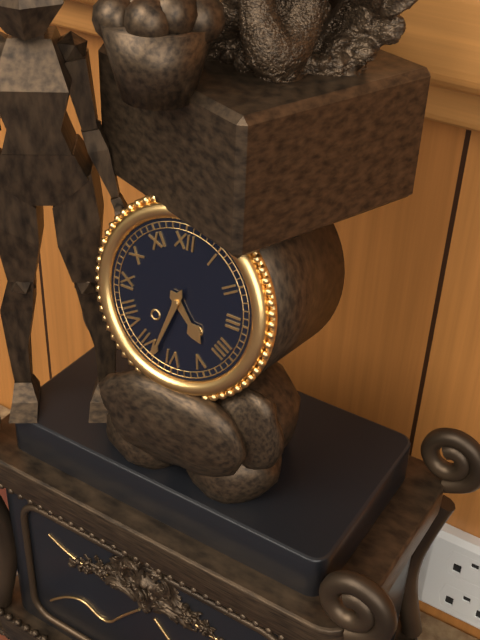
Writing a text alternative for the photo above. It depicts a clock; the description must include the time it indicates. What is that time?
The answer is 4:33
